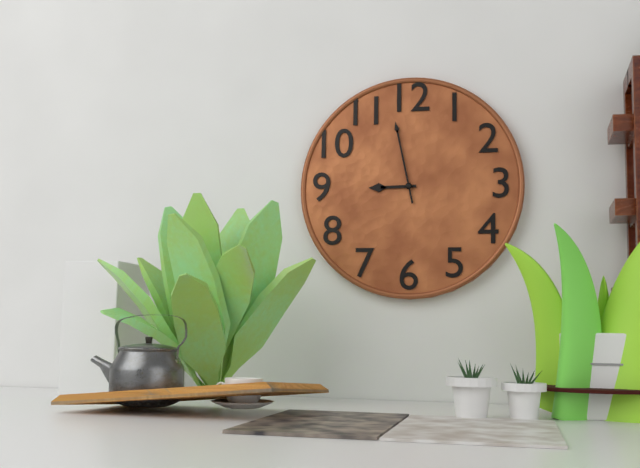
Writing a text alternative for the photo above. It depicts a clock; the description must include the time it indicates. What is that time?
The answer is 8:58
